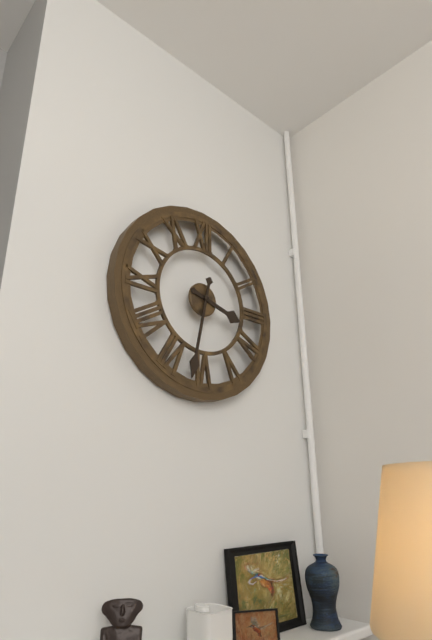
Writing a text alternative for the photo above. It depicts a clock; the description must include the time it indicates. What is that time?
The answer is 3:32
